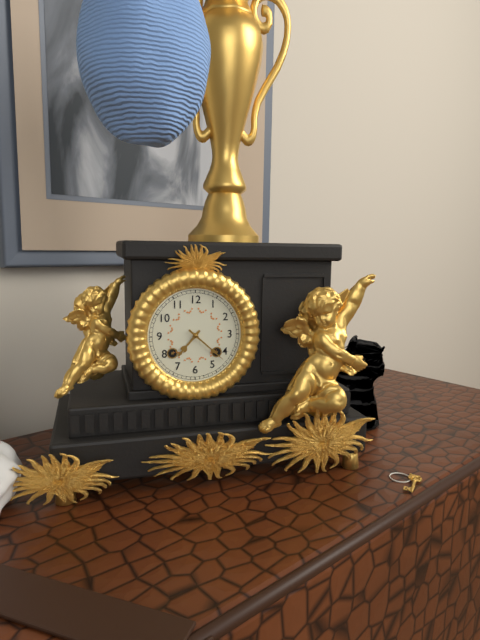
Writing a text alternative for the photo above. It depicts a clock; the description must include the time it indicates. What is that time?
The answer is 7:22
